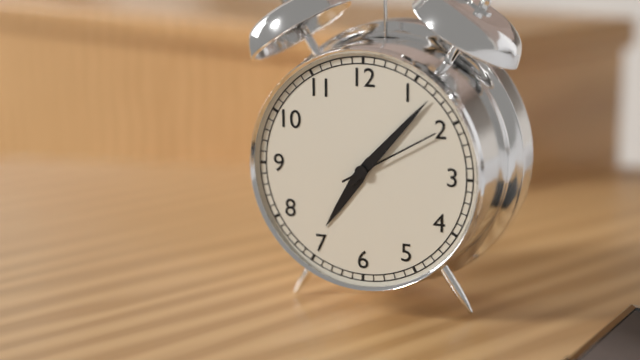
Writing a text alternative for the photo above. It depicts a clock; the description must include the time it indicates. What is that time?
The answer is 7:07:10
